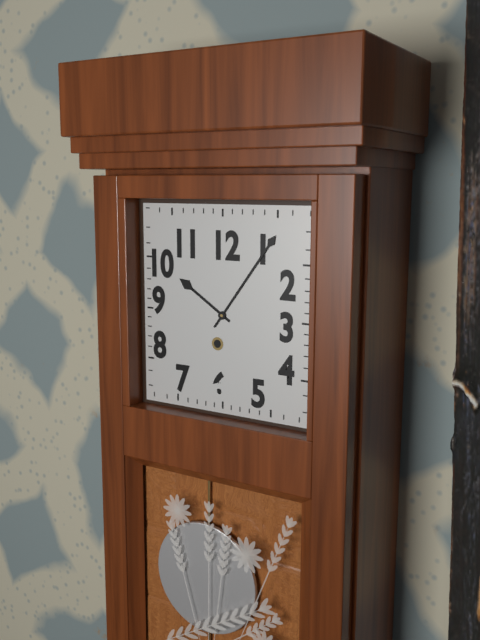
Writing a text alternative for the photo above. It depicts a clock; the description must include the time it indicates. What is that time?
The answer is 10:06
